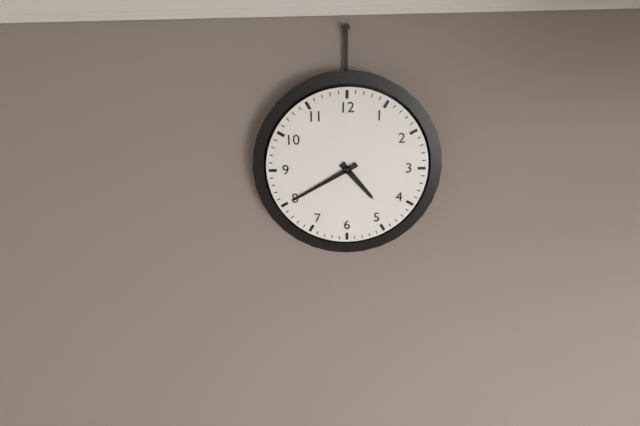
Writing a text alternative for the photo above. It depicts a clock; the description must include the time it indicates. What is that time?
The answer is 4:40
